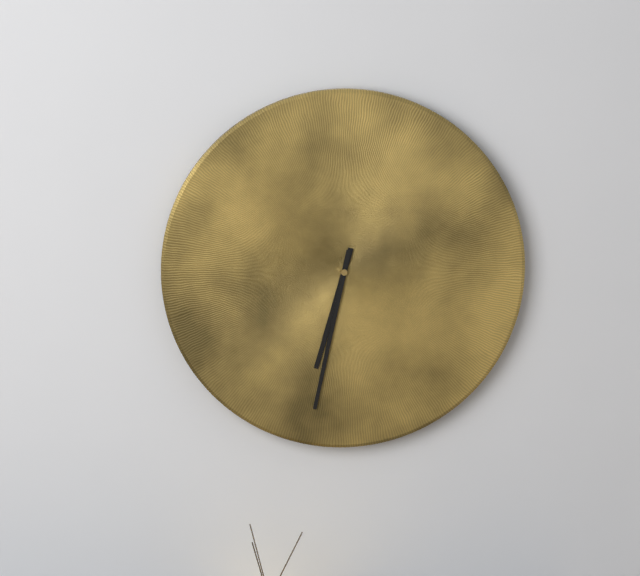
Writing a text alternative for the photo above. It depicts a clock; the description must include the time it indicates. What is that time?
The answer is 6:32
